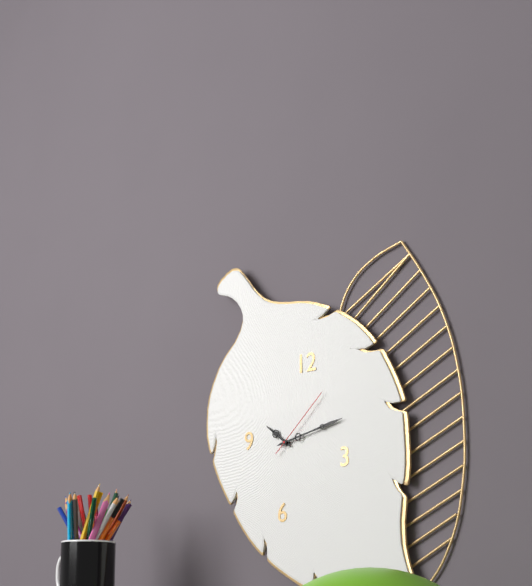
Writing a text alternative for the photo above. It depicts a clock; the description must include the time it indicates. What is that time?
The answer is 10:13:08
